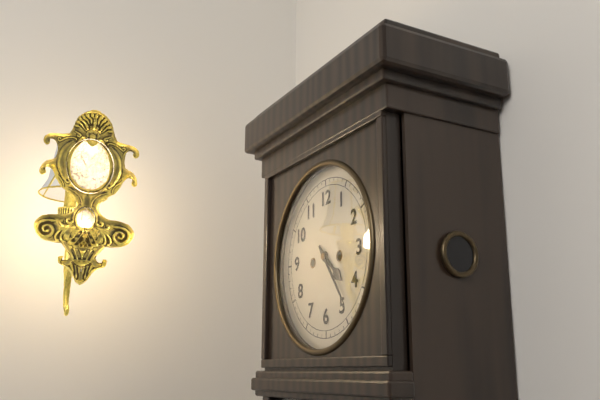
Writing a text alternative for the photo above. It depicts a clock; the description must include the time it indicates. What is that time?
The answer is 4:24
